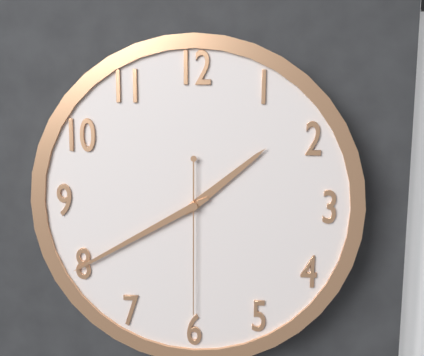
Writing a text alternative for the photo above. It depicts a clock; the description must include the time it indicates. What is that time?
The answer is 1:40:30
